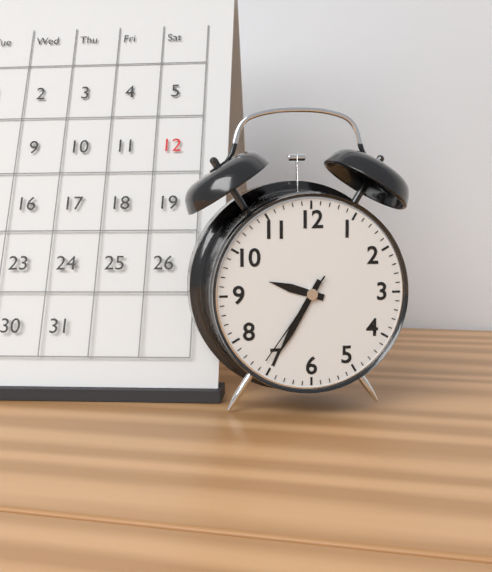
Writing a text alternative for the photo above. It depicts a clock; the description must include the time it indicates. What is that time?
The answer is 9:35:36
